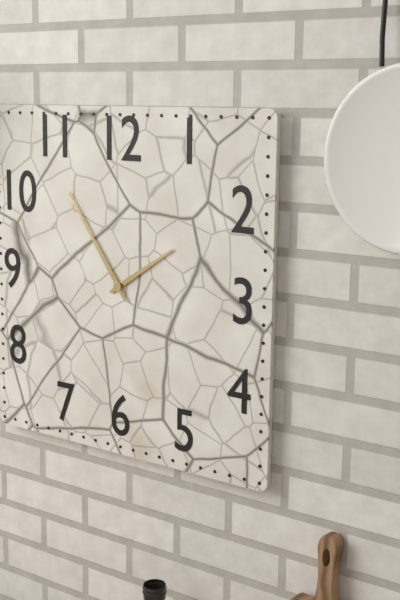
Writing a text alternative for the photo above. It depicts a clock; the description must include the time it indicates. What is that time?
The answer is 1:54
